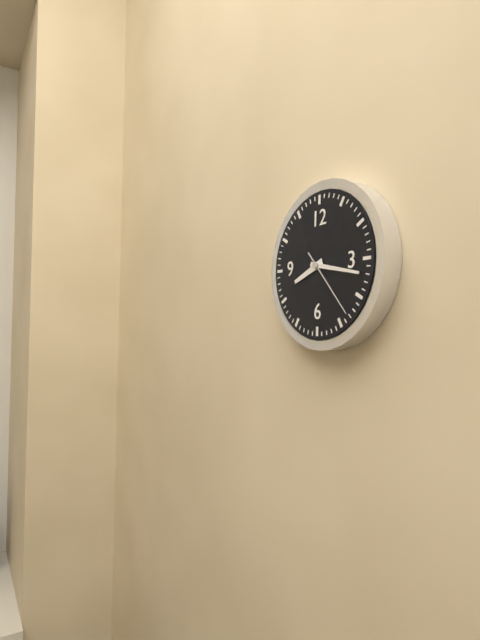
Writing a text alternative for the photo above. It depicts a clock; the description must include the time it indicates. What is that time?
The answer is 8:17:23
